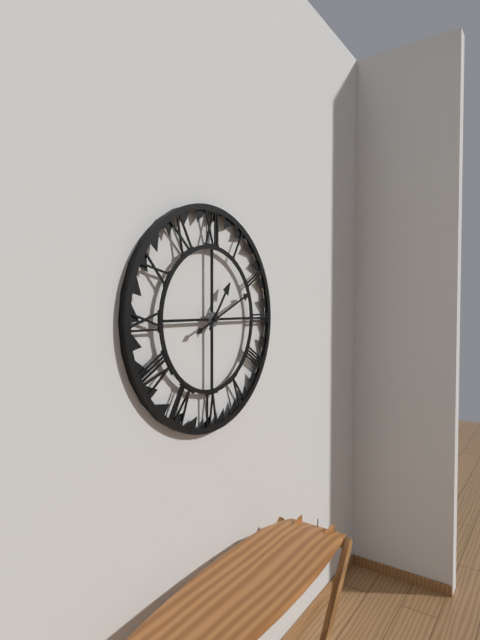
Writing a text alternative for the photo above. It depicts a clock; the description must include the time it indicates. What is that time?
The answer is 1:11
